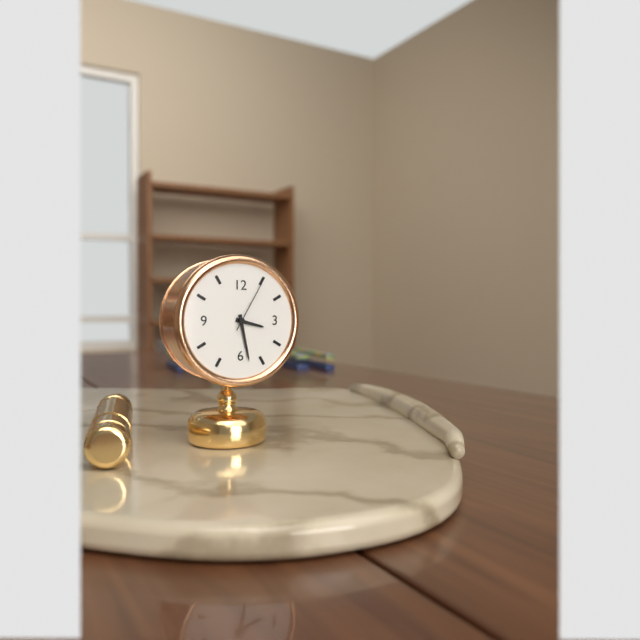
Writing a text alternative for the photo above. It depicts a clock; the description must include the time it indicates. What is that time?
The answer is 3:28:05
